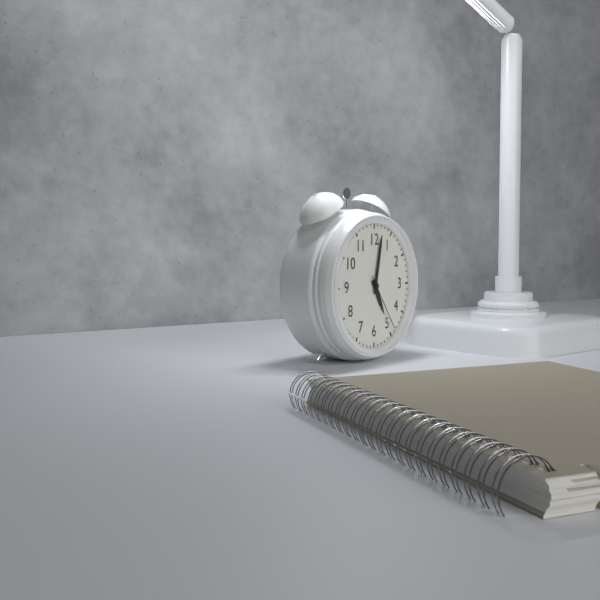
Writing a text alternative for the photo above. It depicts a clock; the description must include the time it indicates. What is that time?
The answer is 5:02:24
